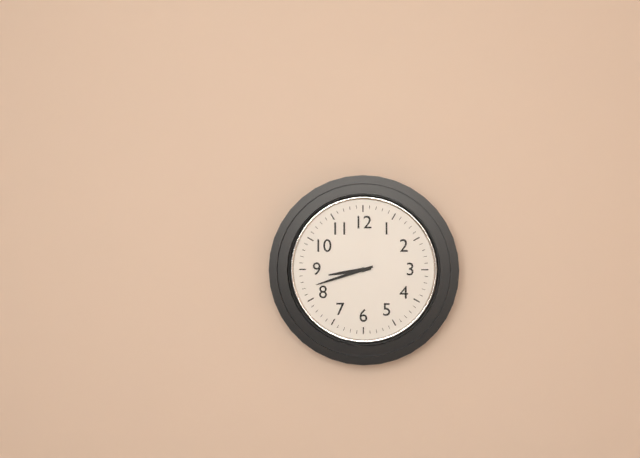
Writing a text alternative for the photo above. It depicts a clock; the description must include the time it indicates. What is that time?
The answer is 8:42
